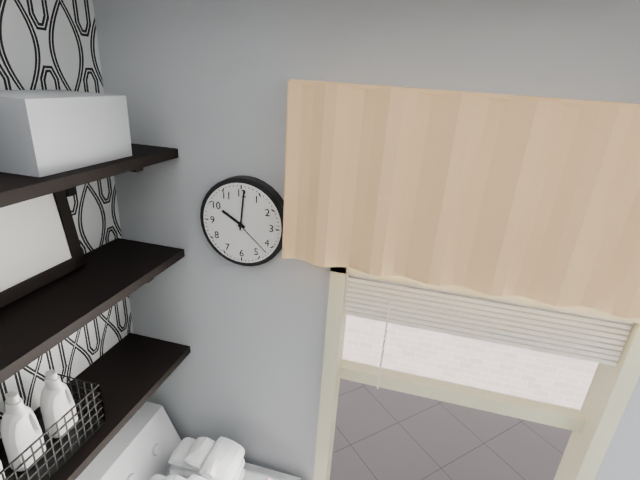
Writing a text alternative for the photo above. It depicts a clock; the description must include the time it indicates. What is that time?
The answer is 10:01
